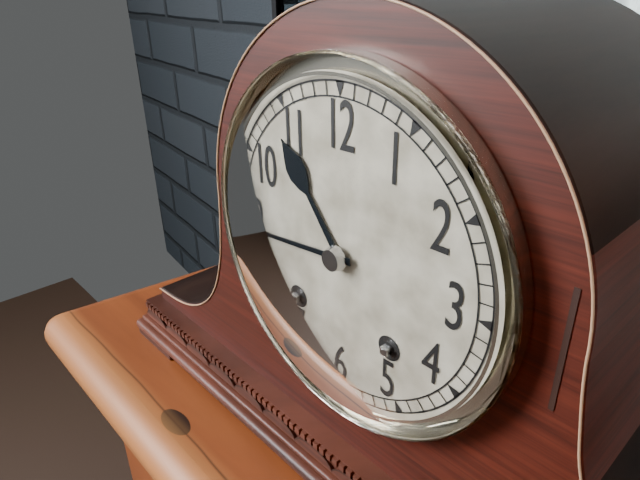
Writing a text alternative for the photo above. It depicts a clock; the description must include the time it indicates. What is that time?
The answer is 10:44
